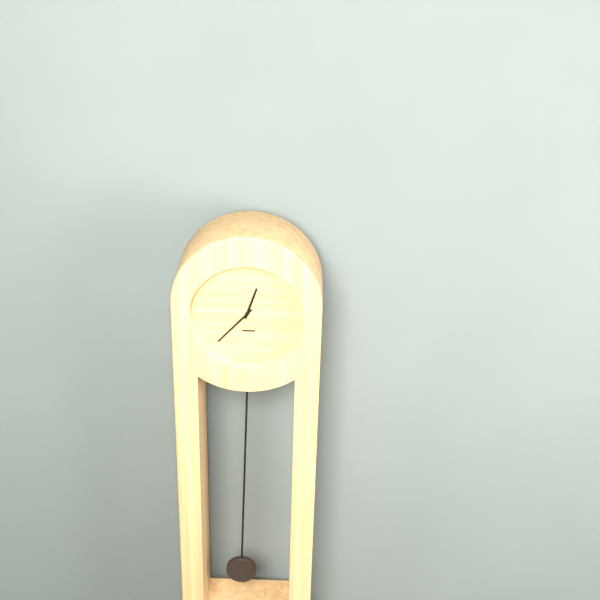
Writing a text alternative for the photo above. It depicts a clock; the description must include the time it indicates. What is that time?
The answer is 12:37
